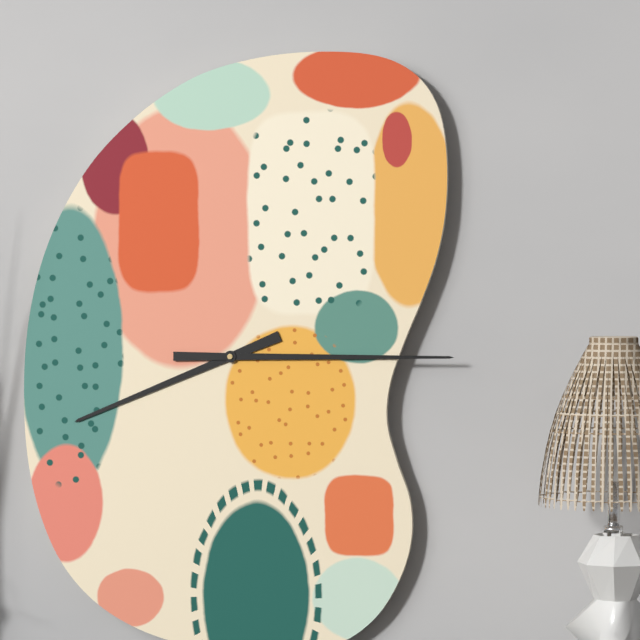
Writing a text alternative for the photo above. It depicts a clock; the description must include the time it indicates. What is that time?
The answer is 8:15
